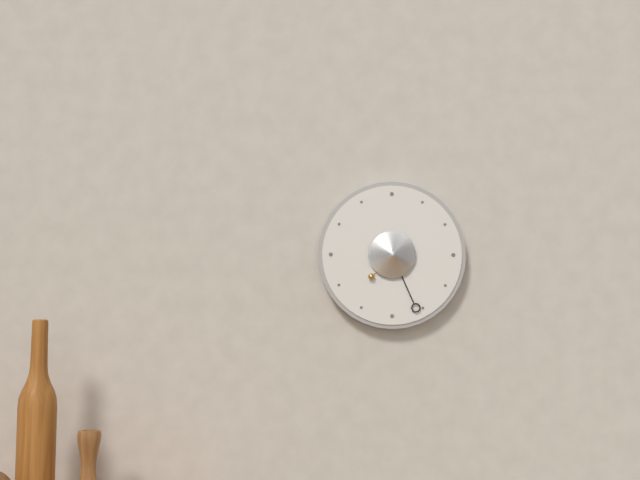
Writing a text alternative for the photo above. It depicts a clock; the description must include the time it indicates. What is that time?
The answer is 7:26
